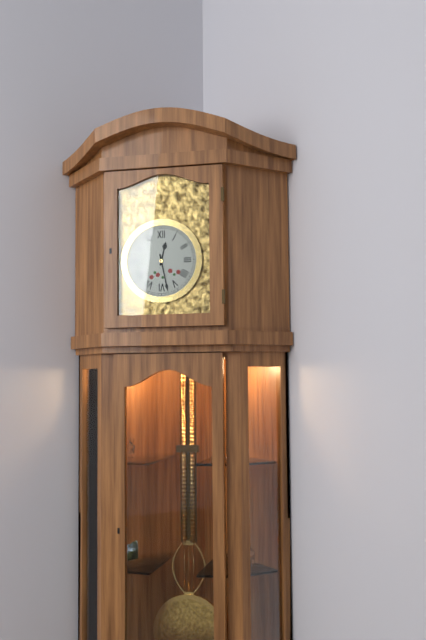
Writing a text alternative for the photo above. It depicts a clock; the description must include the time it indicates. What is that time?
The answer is 12:28
